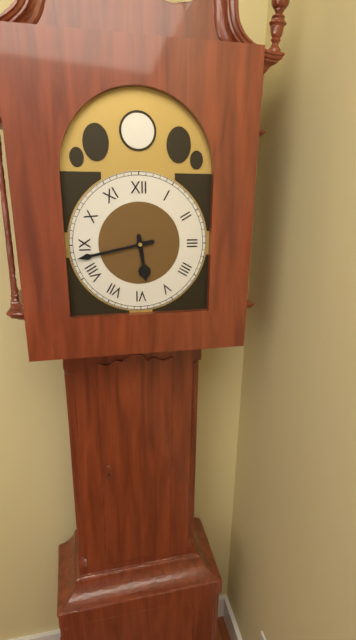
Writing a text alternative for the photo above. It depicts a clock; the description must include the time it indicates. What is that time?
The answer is 5:43
